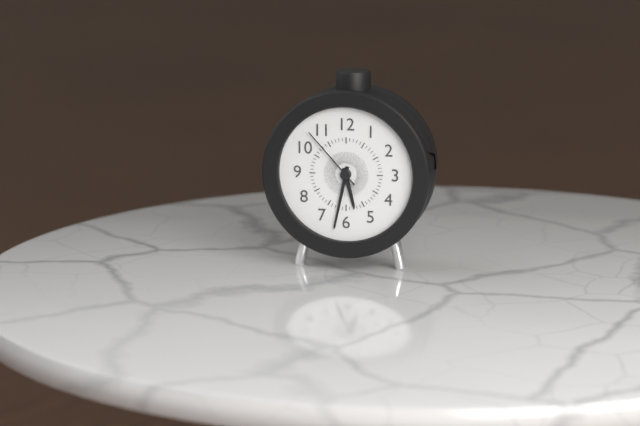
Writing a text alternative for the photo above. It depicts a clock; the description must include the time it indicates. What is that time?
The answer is 5:32:53
